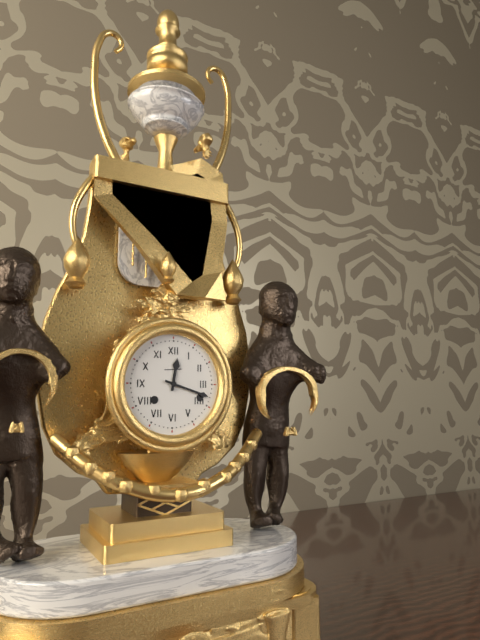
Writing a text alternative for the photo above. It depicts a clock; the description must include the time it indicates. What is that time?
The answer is 12:18
